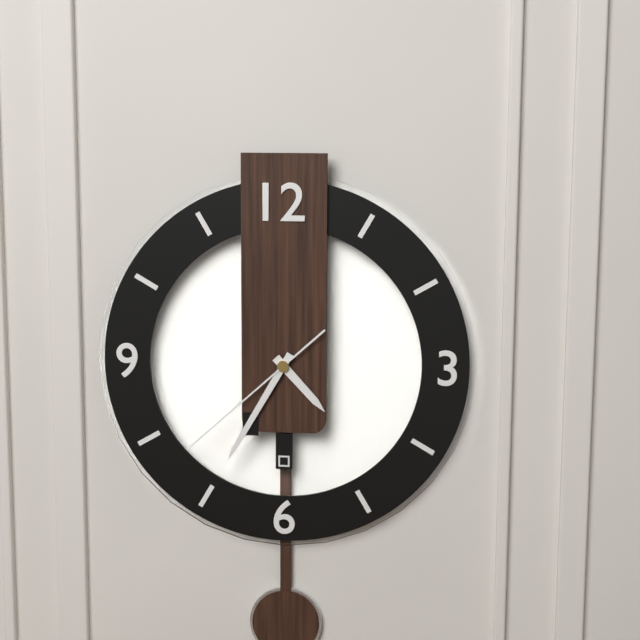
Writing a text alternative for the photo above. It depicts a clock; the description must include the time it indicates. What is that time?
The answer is 4:35:38
